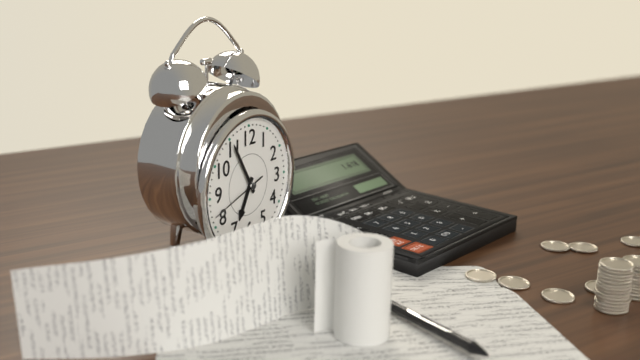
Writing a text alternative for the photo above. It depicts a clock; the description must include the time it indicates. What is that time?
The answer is 6:55:42
